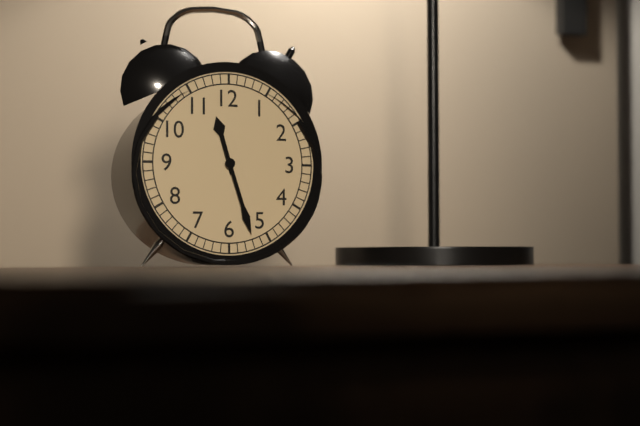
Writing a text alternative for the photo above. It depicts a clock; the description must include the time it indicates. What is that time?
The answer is 11:27
